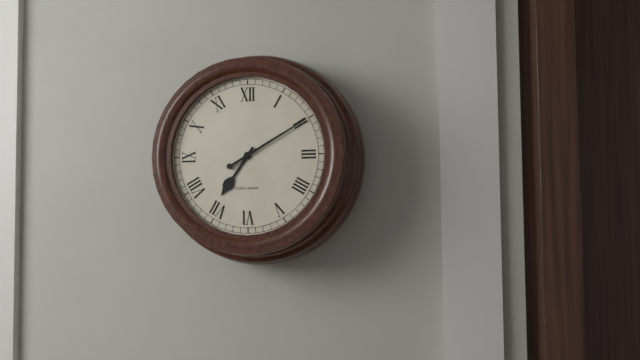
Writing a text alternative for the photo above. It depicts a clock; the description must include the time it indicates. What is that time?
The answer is 7:10
